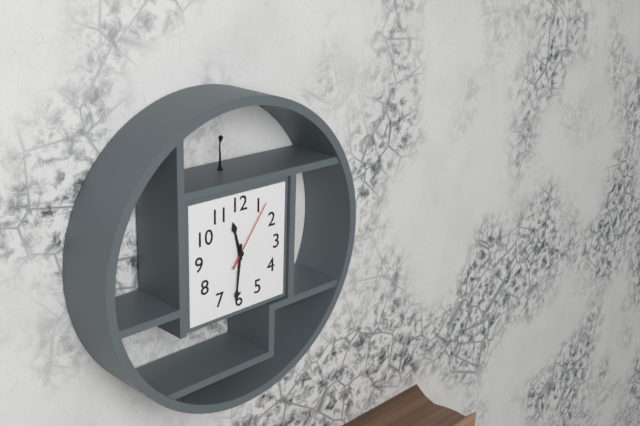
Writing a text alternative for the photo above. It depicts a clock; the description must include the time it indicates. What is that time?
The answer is 11:31:06
